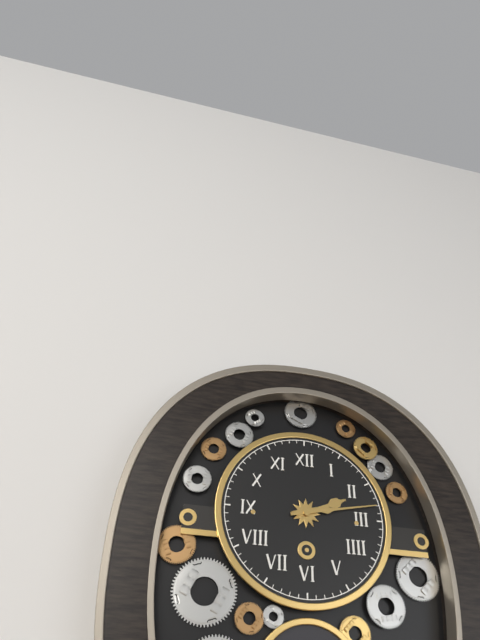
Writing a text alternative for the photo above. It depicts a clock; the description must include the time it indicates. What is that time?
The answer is 2:13
